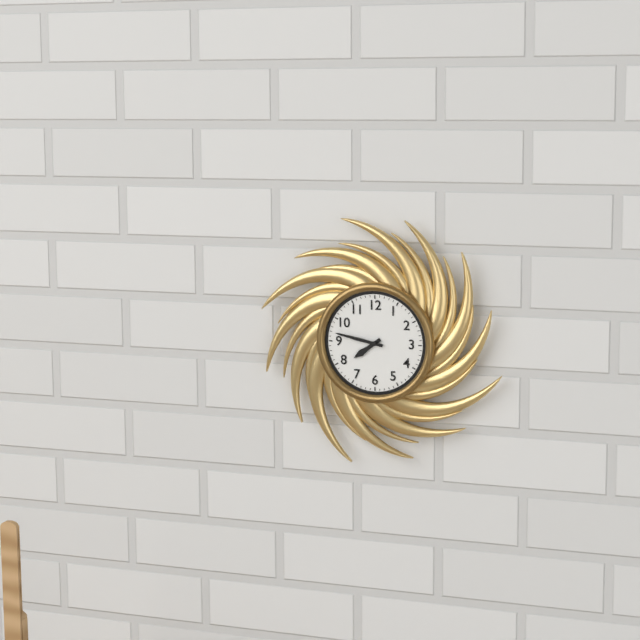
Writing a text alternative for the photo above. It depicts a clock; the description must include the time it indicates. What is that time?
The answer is 7:47
